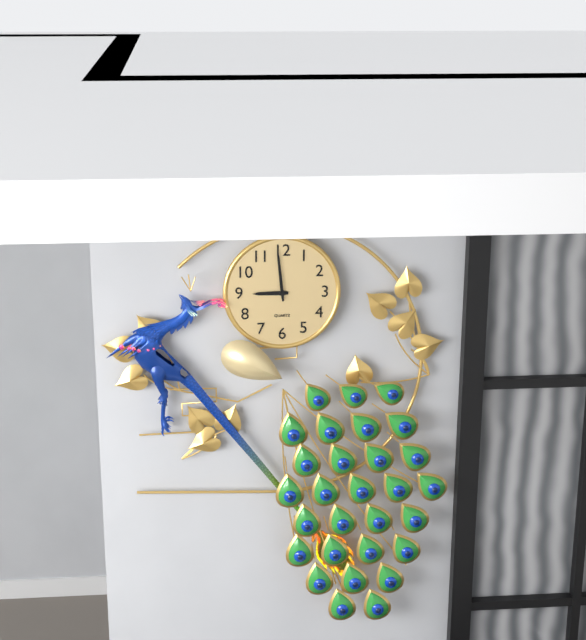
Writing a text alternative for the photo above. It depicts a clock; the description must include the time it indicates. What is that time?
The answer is 8:59
